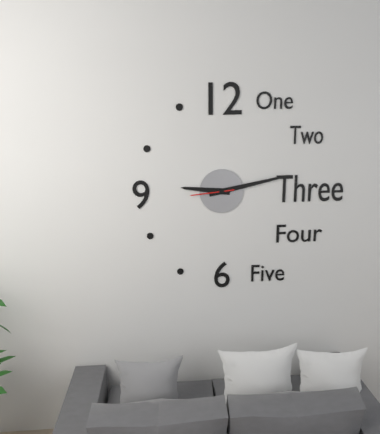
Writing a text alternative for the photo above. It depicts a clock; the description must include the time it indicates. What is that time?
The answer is 9:13
